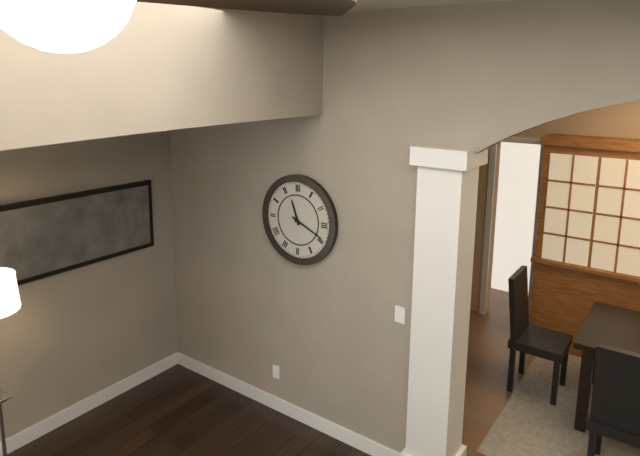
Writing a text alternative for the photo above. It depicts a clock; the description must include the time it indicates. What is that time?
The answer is 11:19
